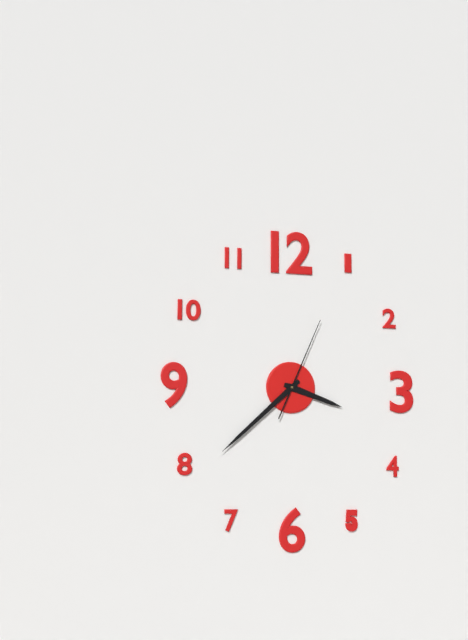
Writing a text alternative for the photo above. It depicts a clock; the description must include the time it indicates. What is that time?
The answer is 3:38:04
